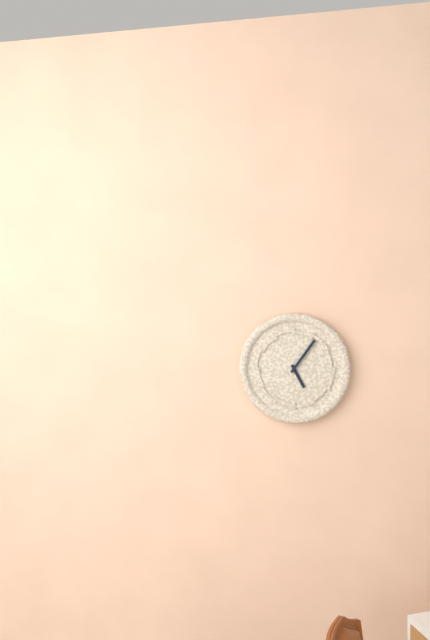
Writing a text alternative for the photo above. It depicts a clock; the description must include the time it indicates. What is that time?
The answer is 5:06
